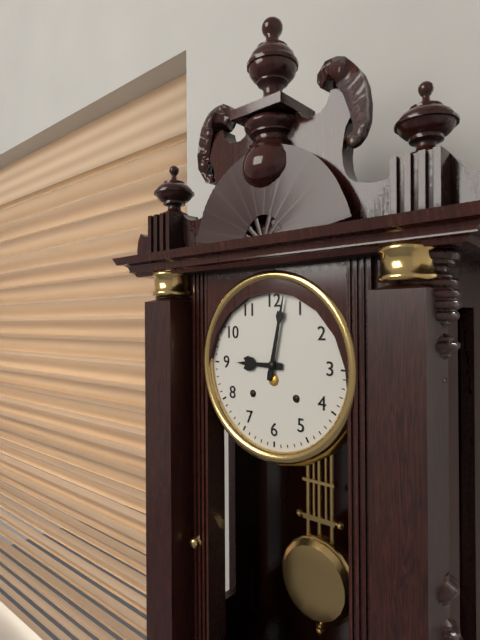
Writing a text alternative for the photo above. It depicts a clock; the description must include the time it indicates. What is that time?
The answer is 9:02
